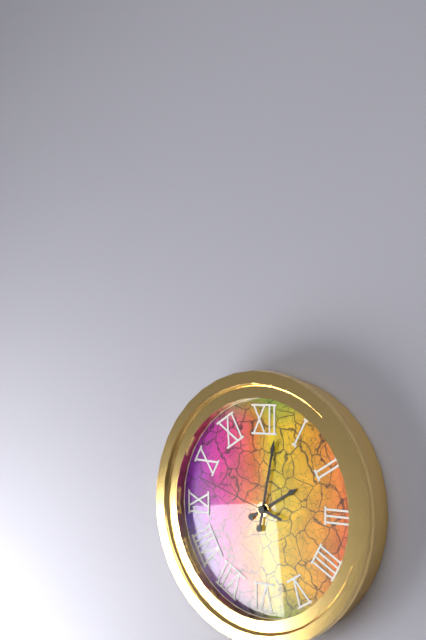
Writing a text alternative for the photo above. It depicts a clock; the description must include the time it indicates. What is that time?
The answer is 2:02:48
